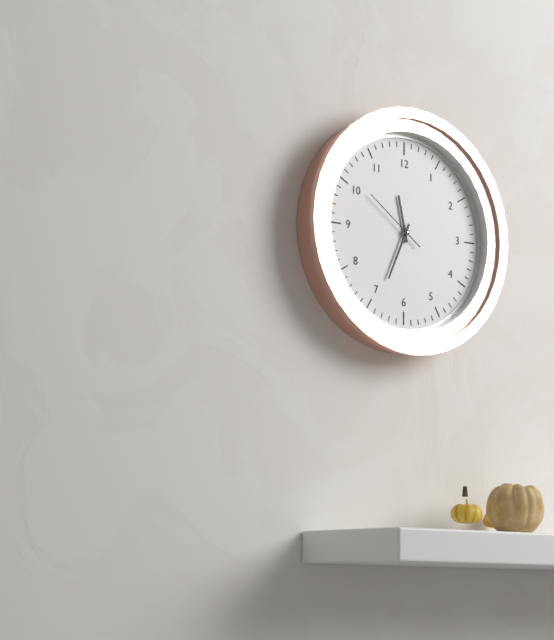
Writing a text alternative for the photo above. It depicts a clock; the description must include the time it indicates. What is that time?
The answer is 11:34:51
